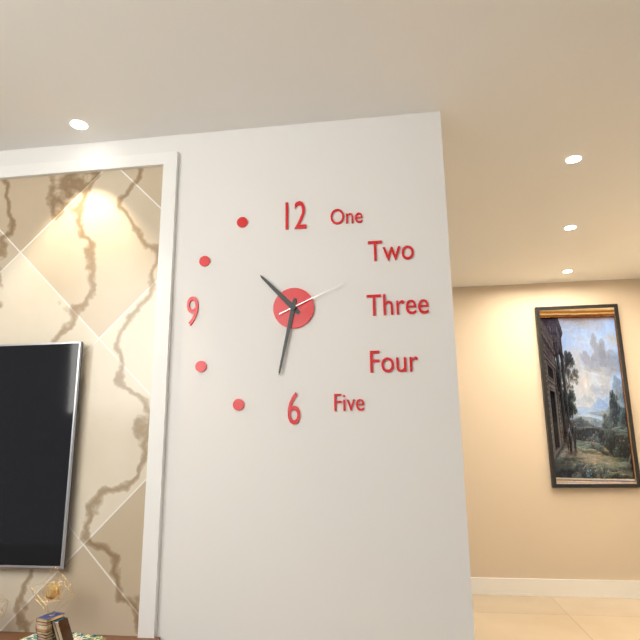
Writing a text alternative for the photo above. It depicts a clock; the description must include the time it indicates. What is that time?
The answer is 10:32:11
